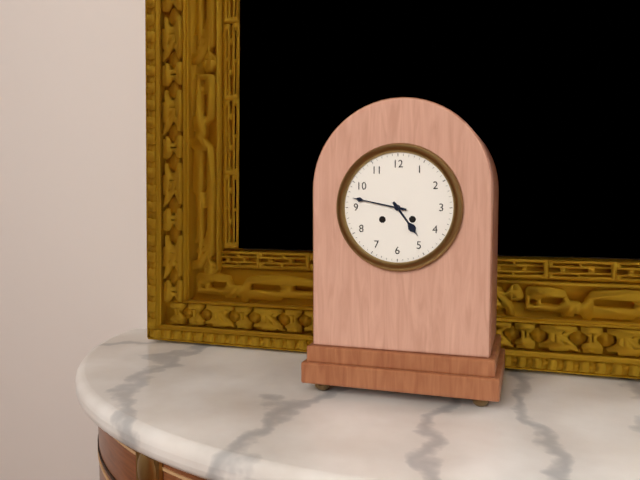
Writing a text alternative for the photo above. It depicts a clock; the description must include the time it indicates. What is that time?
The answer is 4:47
